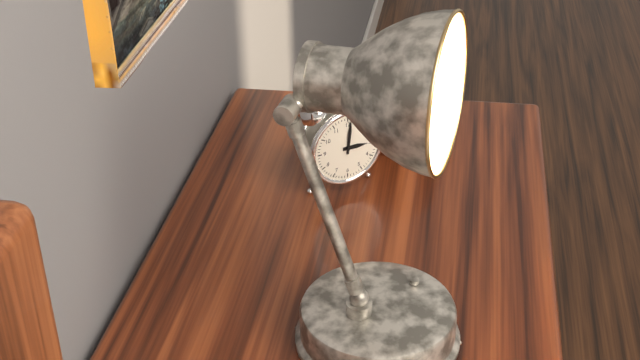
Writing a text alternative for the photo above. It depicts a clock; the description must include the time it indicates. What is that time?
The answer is 3:01
